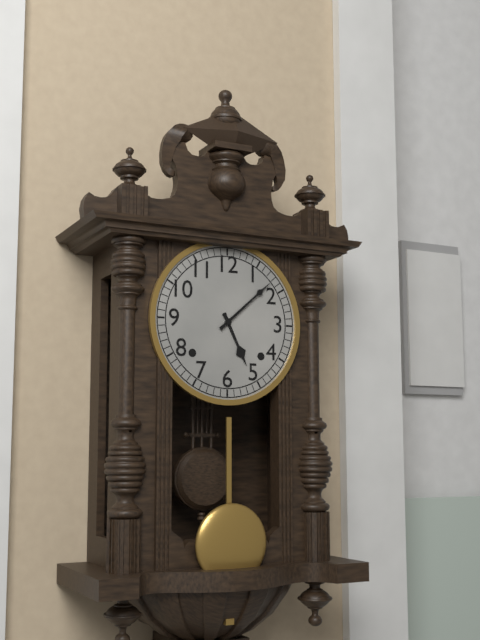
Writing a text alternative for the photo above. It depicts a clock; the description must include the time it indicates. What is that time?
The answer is 5:08
